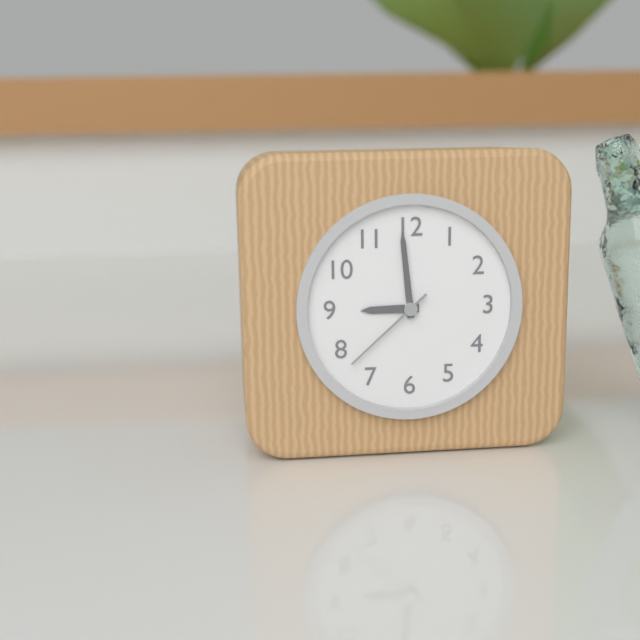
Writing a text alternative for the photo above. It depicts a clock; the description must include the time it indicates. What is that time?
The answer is 8:59:38
